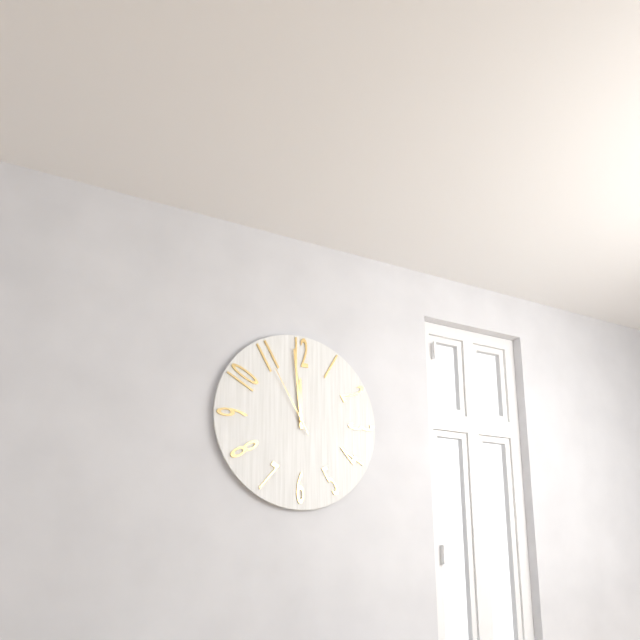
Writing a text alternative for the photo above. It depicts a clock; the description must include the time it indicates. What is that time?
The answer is 11:59:55
